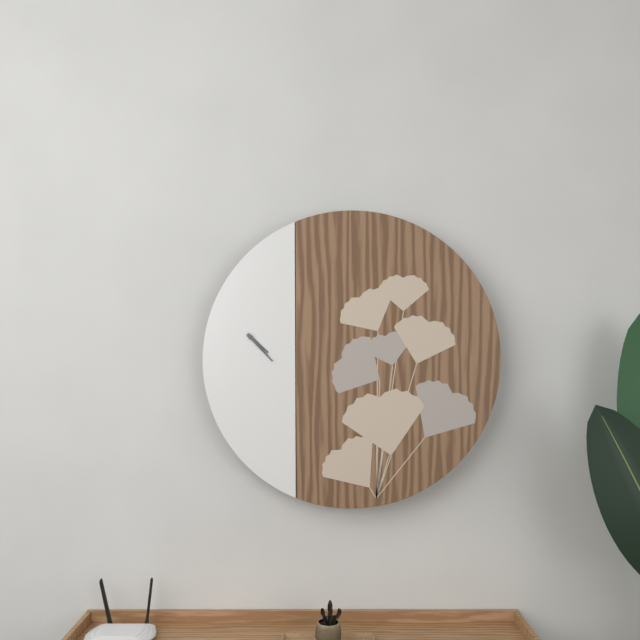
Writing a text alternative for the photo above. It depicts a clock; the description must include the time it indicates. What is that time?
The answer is 4:23
